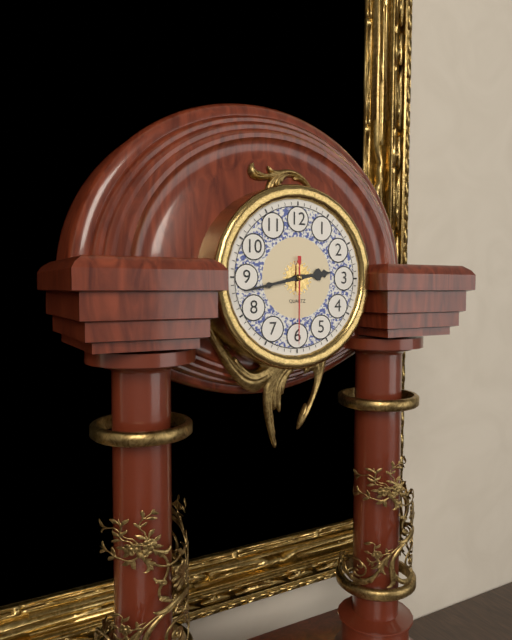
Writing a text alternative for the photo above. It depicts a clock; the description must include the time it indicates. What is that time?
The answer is 2:43:30
